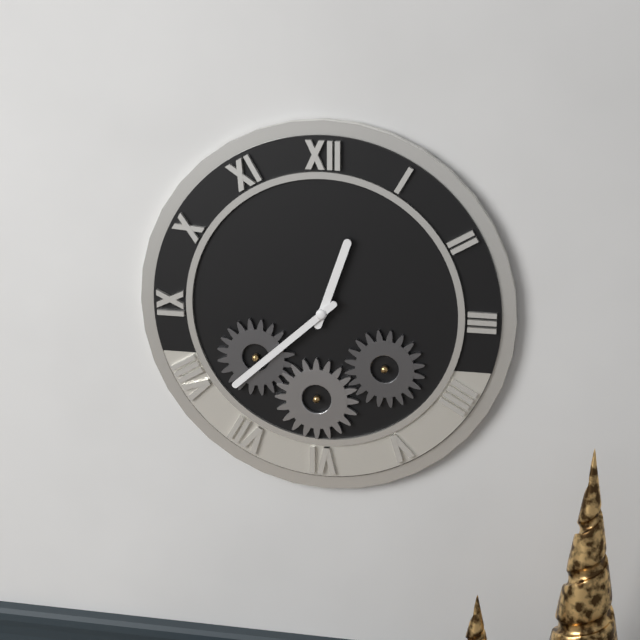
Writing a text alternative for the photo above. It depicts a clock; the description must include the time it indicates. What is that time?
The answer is 12:38
